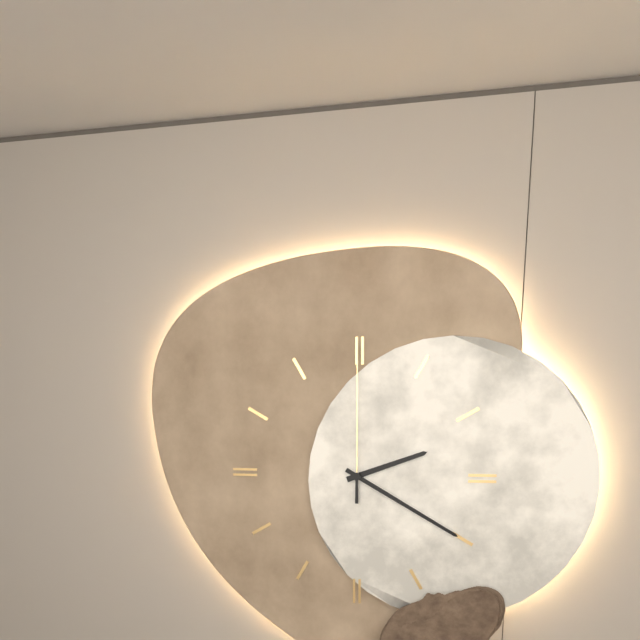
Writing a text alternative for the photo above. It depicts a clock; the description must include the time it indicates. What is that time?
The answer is 2:20:00
